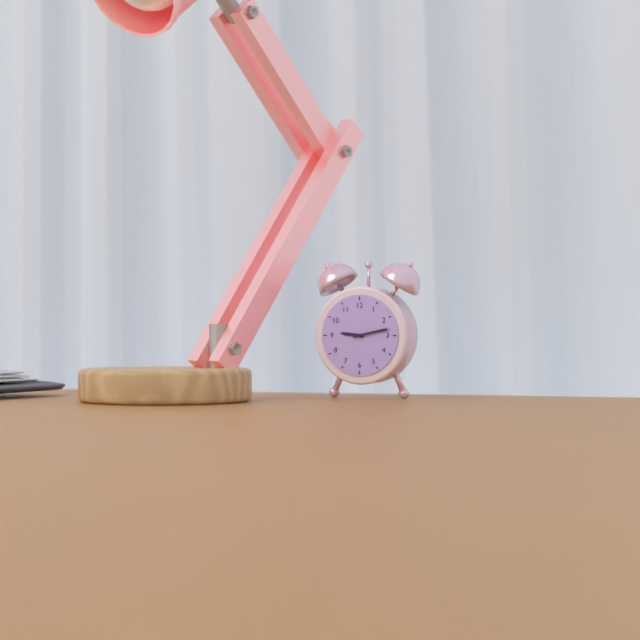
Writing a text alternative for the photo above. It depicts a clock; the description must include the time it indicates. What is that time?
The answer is 9:13
